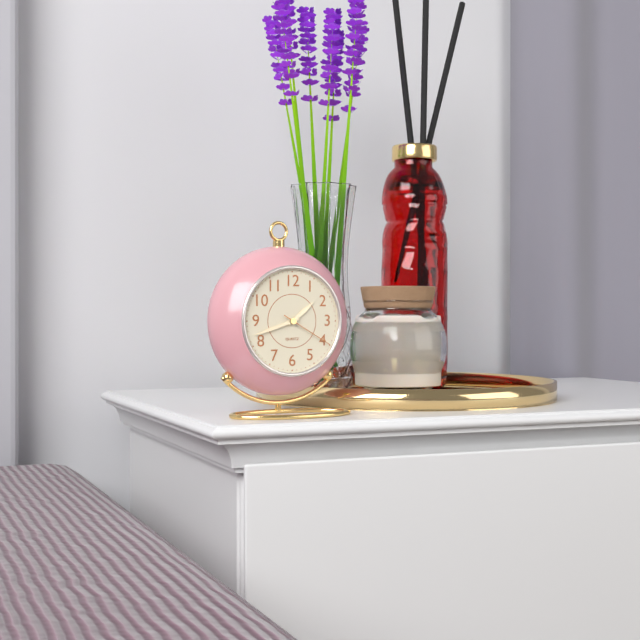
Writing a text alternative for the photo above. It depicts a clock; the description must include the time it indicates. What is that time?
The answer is 1:42:20
